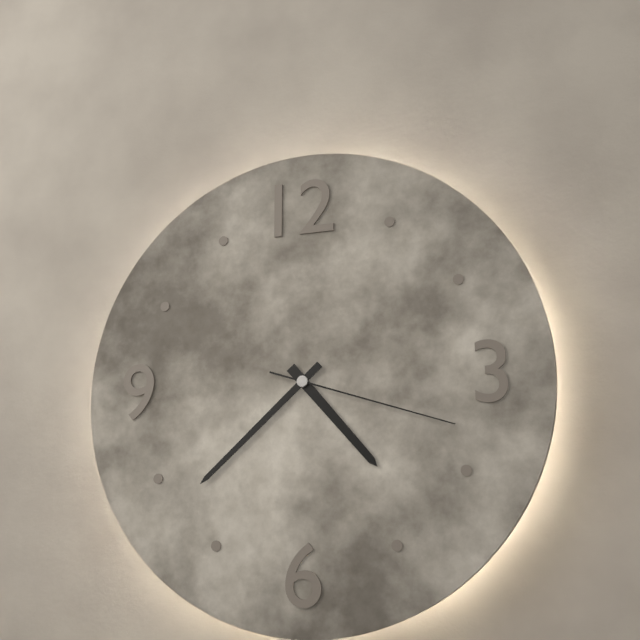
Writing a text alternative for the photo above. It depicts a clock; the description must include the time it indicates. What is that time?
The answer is 4:38:18
